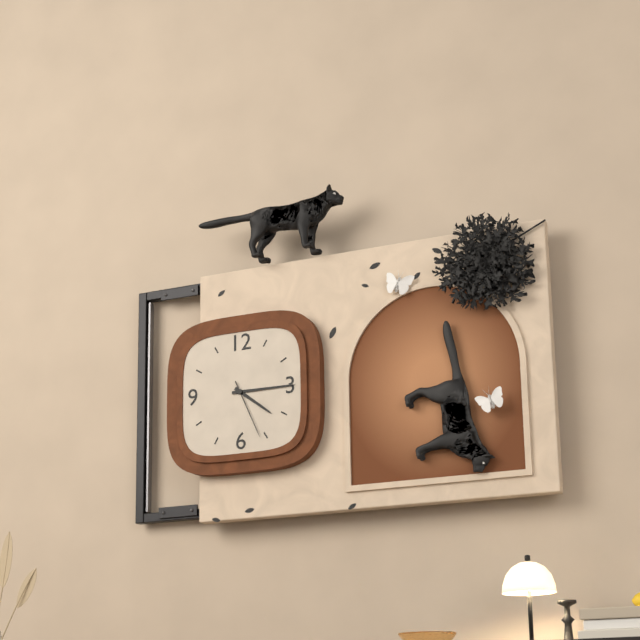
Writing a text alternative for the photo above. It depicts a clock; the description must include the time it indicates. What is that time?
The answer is 4:15:26
